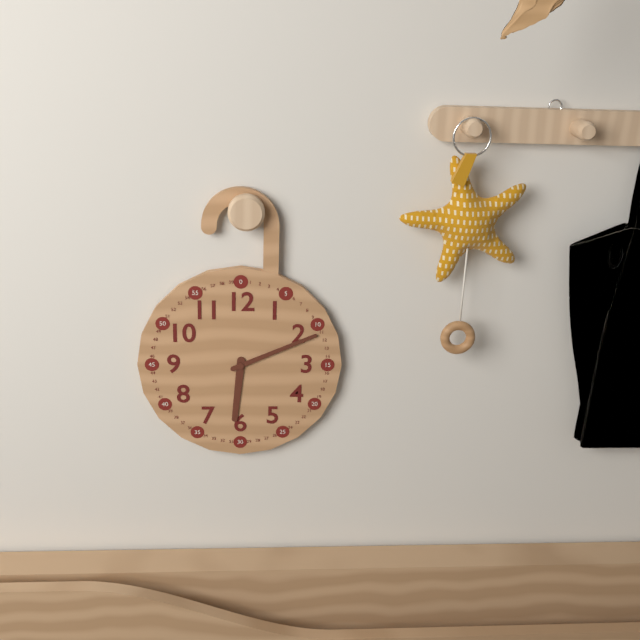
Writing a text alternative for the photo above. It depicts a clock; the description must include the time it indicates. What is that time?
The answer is 6:11
